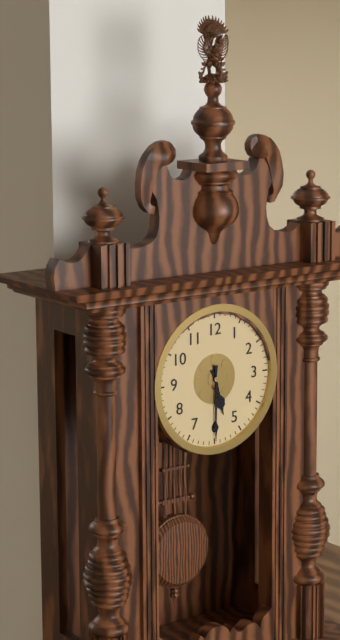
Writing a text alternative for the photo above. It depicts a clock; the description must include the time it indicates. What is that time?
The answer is 5:30
